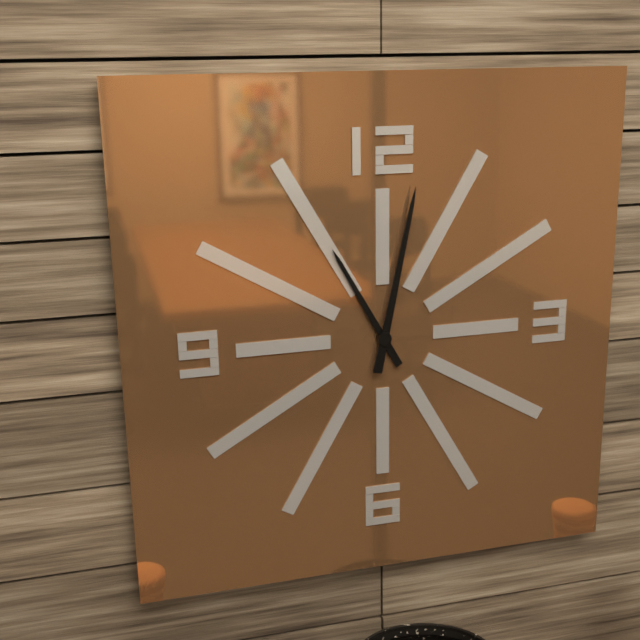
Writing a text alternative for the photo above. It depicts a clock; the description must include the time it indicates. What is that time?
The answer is 11:02
